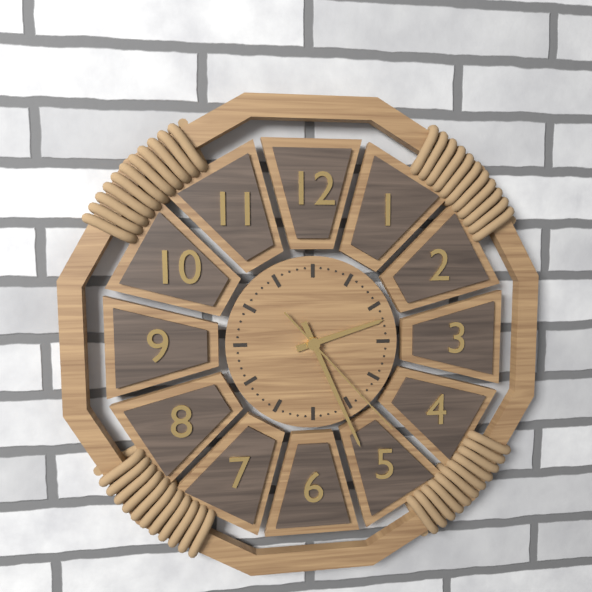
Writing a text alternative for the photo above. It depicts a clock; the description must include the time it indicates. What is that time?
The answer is 2:26:23
